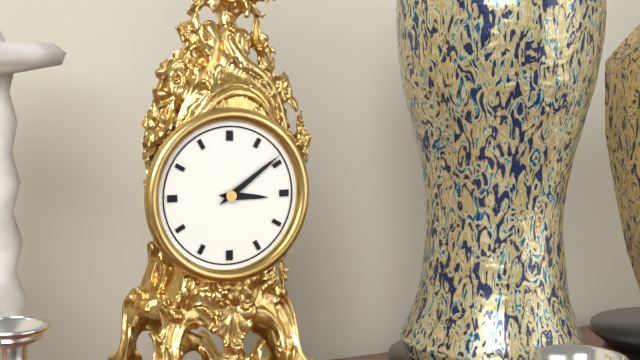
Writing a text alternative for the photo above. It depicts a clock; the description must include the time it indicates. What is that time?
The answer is 3:09
